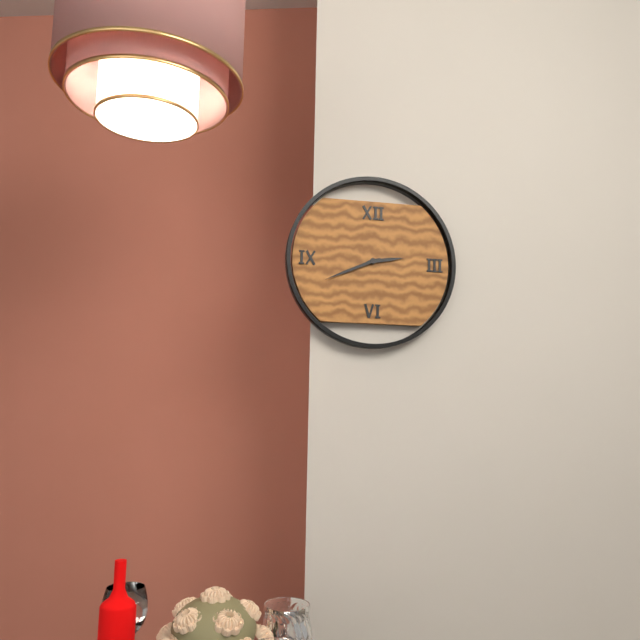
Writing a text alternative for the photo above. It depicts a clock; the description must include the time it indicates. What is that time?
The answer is 2:41
